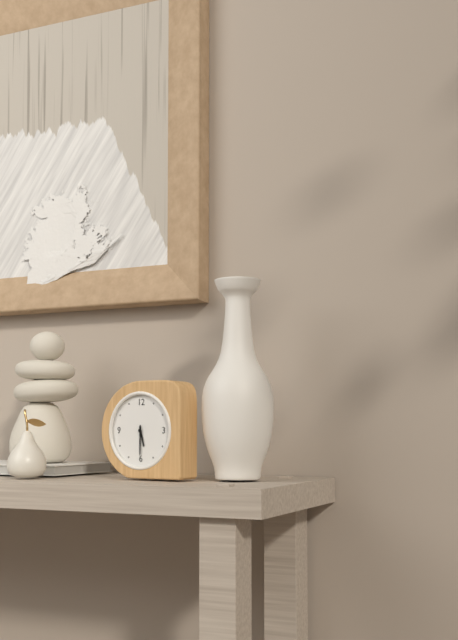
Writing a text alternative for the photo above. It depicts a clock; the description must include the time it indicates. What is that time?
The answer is 5:30
